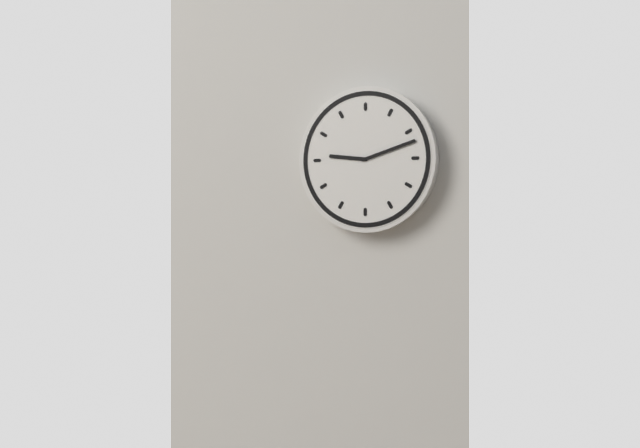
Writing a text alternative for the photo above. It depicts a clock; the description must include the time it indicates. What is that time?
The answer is 9:12
